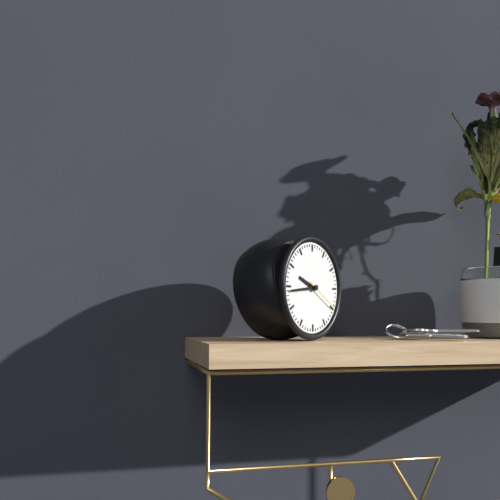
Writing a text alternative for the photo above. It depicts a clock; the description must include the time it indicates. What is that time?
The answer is 9:44
